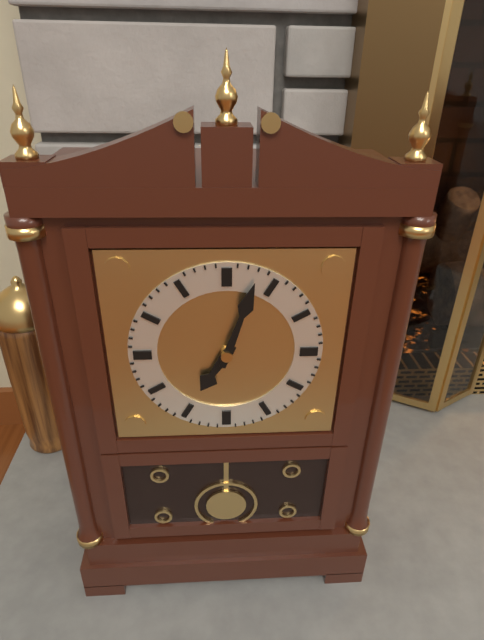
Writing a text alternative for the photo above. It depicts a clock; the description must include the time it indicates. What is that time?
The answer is 7:03
